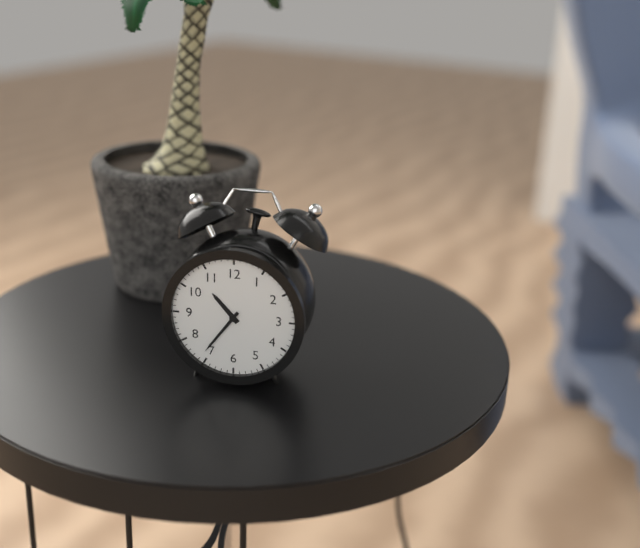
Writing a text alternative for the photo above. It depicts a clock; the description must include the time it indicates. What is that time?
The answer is 10:36
